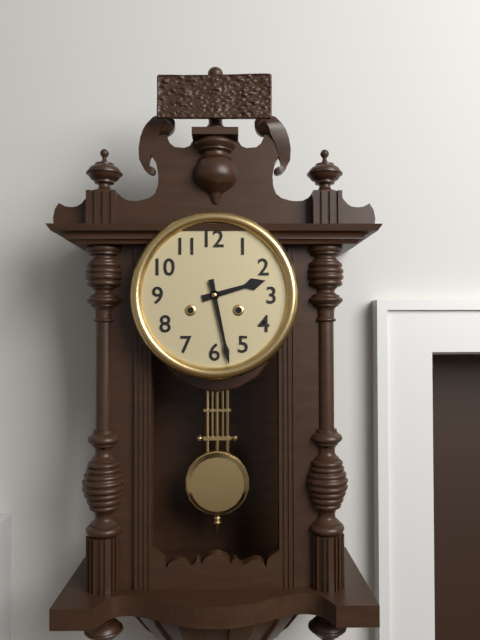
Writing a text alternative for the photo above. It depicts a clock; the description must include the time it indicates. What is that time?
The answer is 2:28
